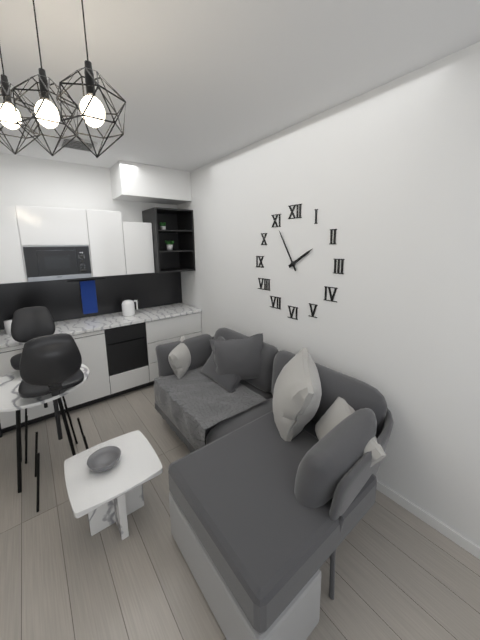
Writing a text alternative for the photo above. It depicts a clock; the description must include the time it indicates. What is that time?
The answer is 1:55
